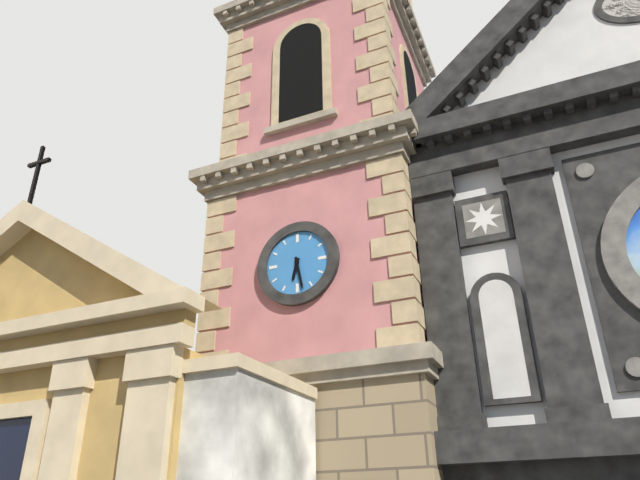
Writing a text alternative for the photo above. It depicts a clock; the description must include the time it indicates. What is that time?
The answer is 6:28
